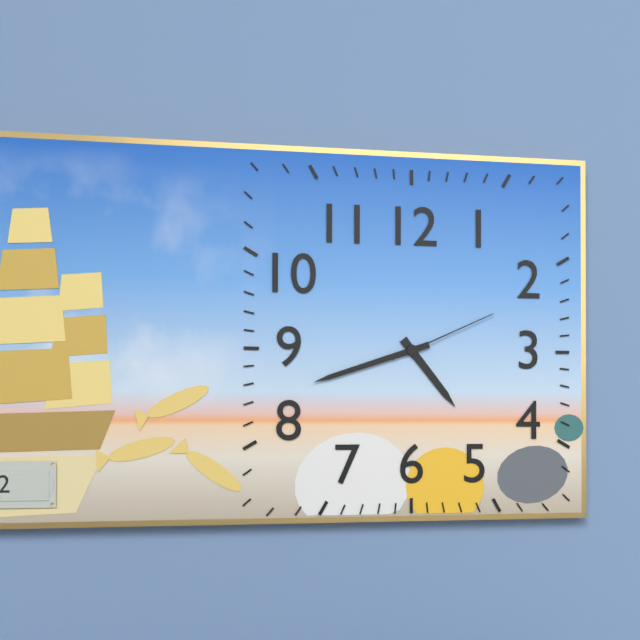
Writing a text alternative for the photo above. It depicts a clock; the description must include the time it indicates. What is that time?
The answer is 4:42:11
